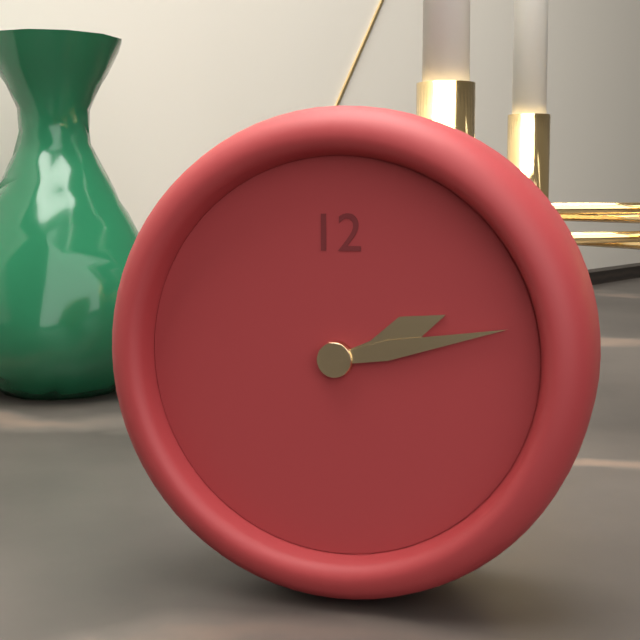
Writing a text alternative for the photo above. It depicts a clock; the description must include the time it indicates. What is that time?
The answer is 2:13
